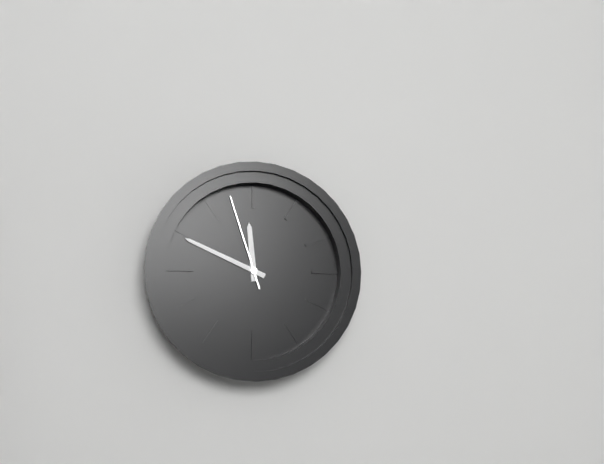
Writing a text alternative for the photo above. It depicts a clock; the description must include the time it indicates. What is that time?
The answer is 11:49:57
